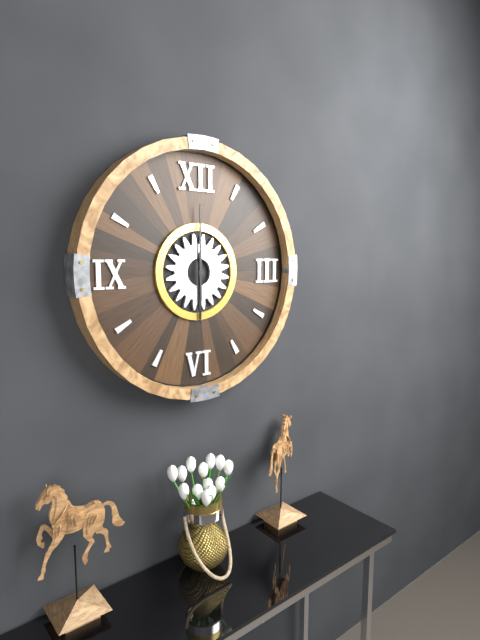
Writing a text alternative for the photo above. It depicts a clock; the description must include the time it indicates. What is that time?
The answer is 6:00
